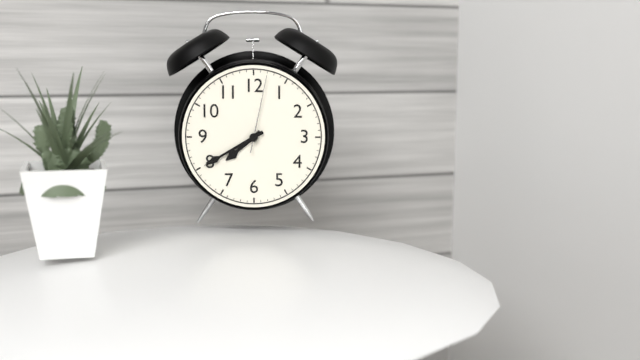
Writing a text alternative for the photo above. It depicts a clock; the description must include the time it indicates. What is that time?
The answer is 7:40:02
